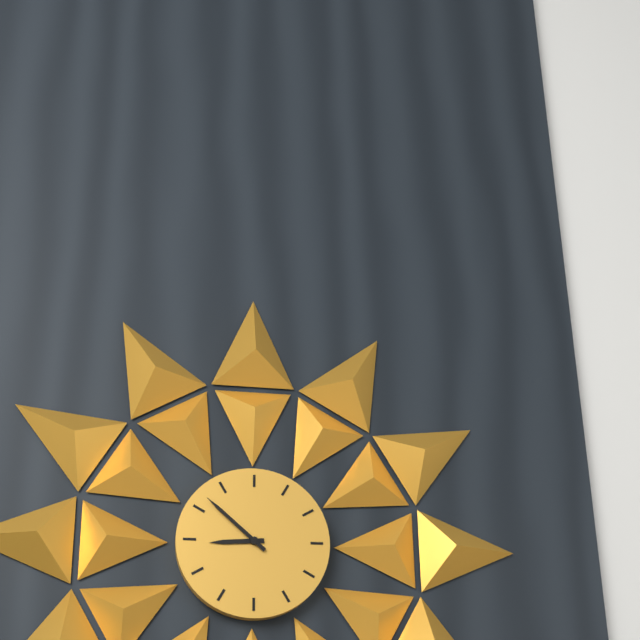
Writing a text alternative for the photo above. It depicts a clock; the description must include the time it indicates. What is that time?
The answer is 8:52
